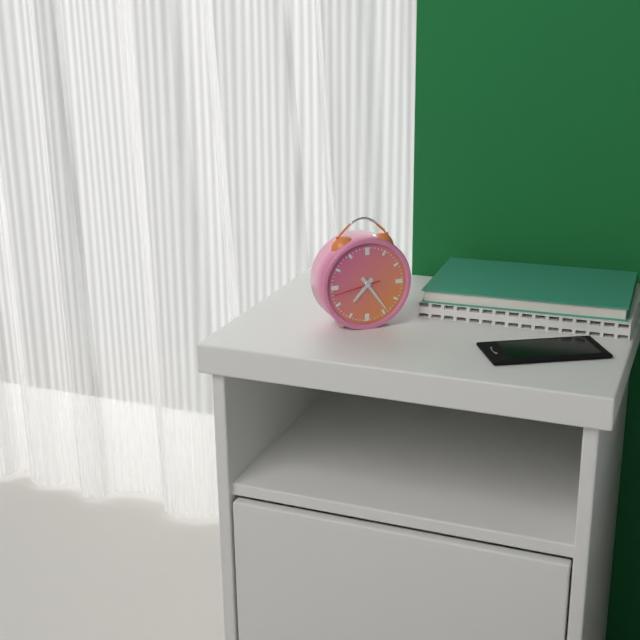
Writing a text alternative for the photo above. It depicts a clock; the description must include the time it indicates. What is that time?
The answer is 7:24
